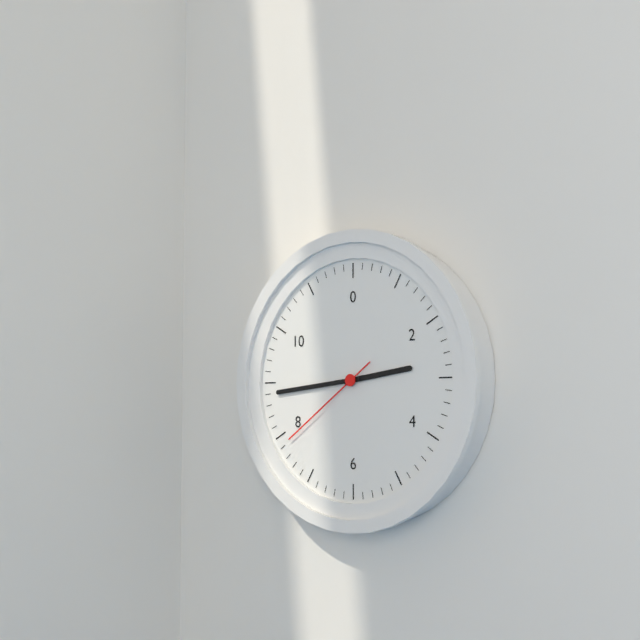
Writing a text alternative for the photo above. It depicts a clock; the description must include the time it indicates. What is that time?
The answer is 2:44:39
